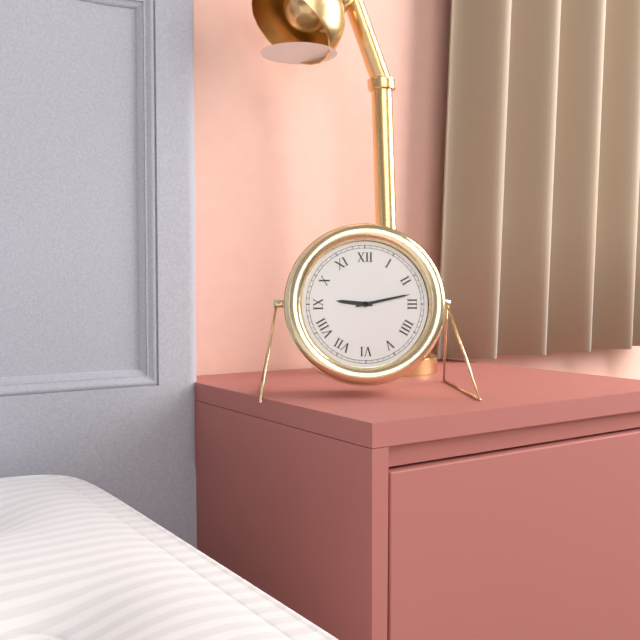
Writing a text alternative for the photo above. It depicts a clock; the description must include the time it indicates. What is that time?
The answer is 9:13
